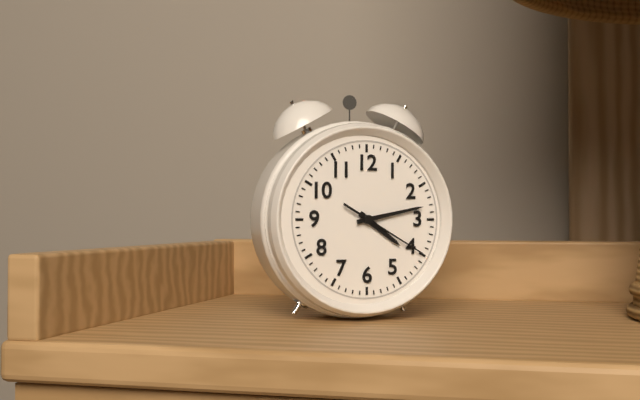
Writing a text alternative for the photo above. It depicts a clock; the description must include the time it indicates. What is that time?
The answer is 4:13:20
